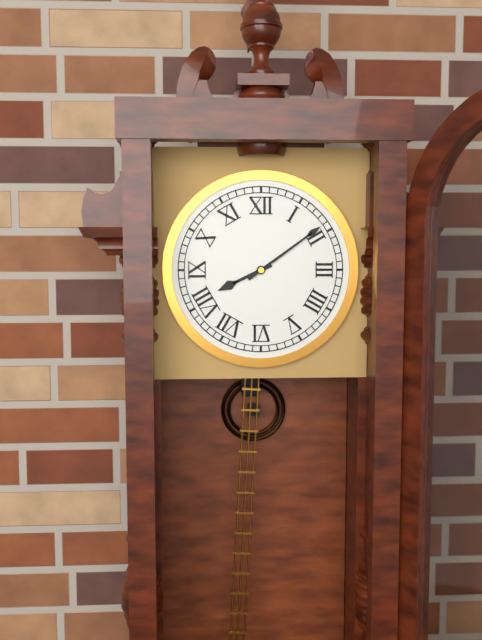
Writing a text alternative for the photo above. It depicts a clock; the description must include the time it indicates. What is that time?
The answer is 8:09
